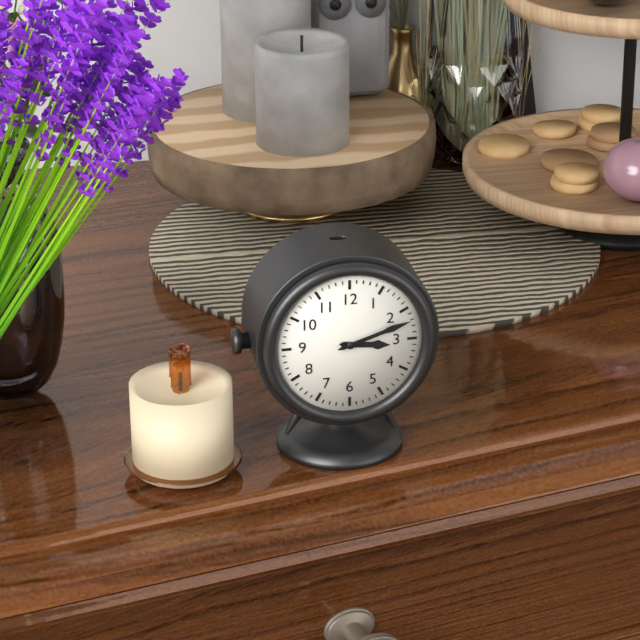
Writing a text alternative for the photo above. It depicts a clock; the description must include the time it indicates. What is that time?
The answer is 3:12
